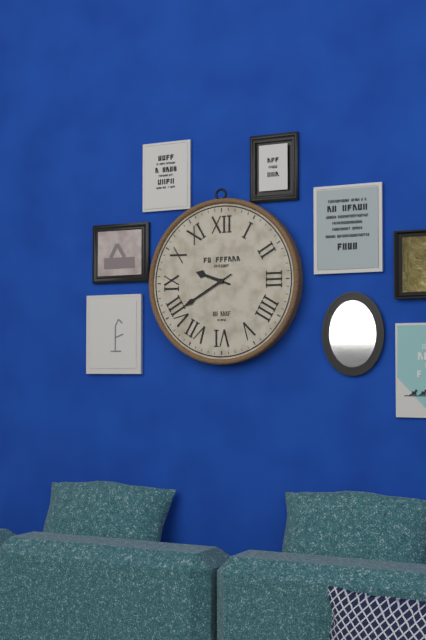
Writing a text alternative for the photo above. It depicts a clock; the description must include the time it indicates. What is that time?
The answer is 9:40
